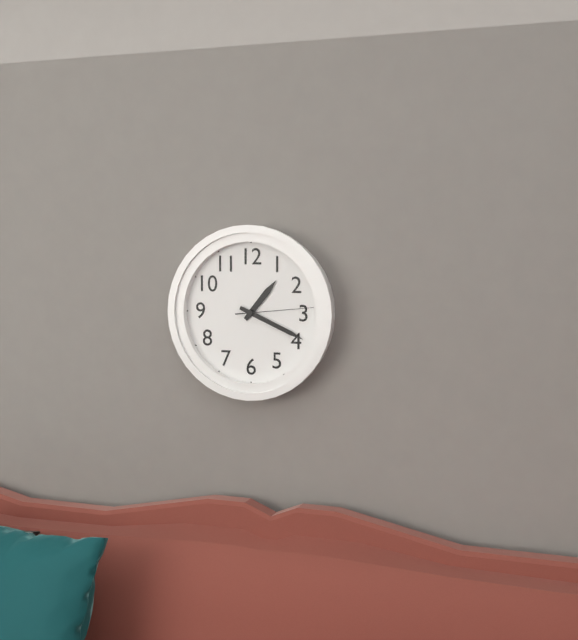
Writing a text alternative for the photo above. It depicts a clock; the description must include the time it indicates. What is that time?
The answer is 1:19:14
